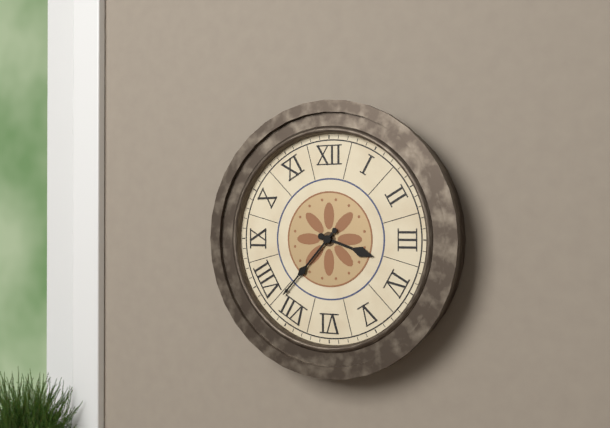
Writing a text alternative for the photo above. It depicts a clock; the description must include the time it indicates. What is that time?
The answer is 3:37
